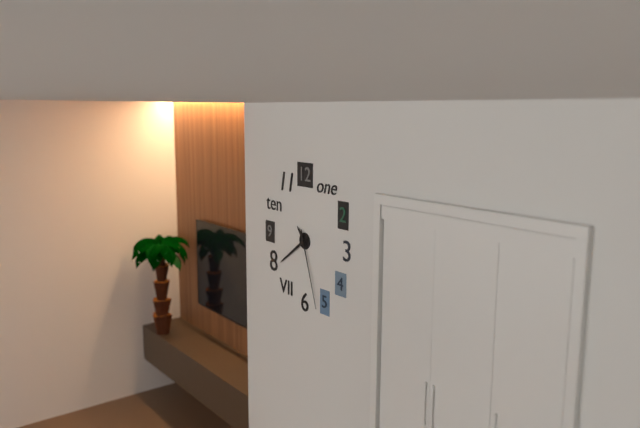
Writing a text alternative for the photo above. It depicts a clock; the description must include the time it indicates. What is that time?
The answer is 10:39:27
